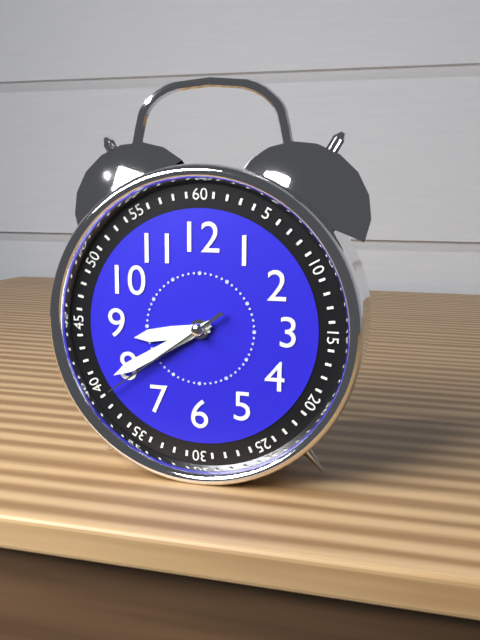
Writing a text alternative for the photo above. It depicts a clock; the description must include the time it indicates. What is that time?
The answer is 8:40:39
